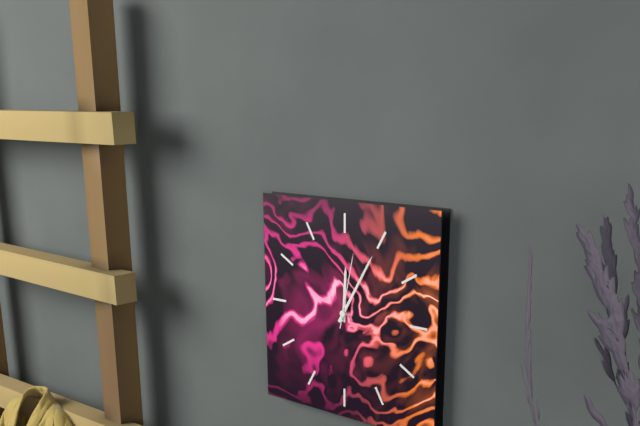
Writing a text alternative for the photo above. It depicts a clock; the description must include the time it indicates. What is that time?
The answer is 12:05:02
